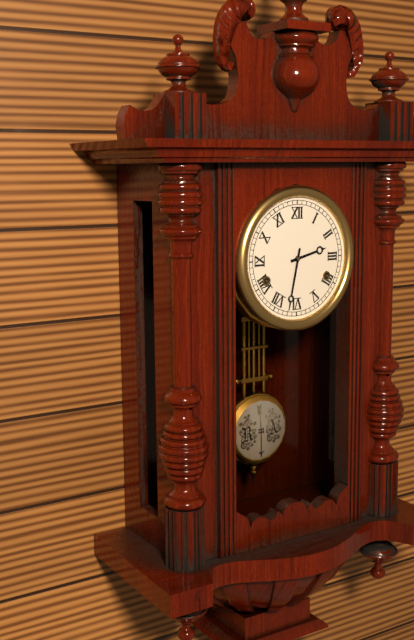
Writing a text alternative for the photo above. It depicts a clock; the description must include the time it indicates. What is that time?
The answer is 2:32
